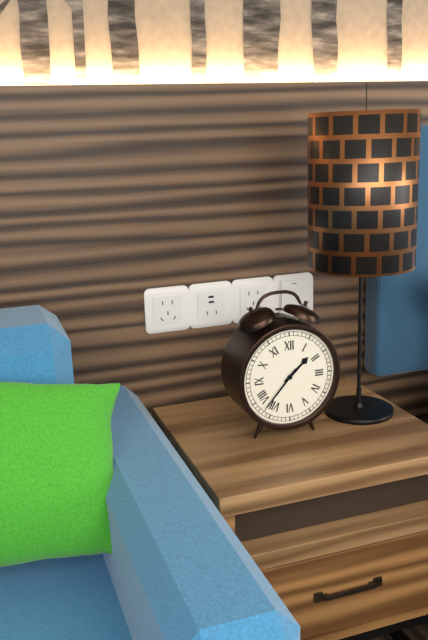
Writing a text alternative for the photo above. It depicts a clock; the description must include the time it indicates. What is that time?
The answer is 1:37
